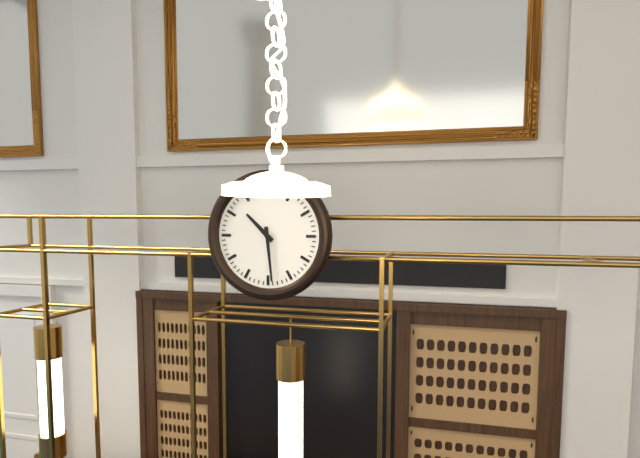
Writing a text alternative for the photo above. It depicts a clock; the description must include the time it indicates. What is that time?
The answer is 10:29
